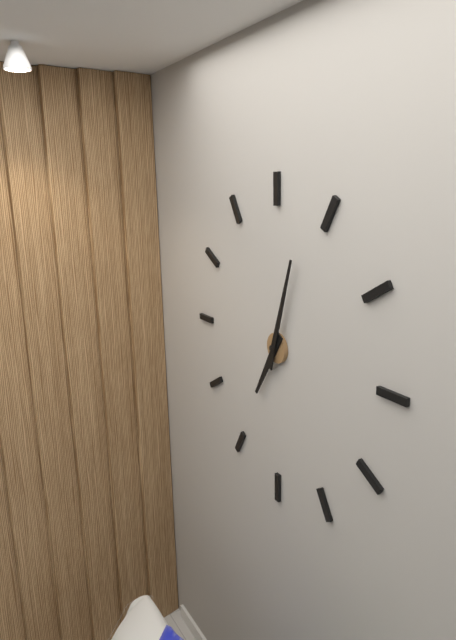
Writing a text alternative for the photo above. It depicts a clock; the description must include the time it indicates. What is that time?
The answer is 7:03
